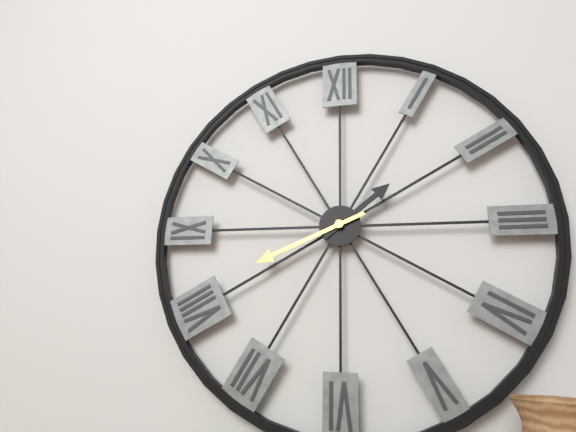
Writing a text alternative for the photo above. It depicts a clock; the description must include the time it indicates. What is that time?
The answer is 1:41
